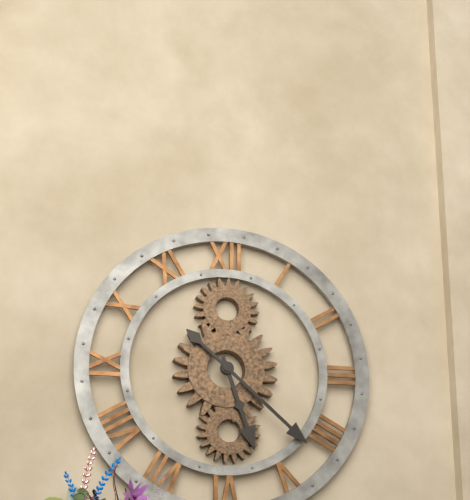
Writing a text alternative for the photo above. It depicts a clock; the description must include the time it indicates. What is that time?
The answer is 5:22
